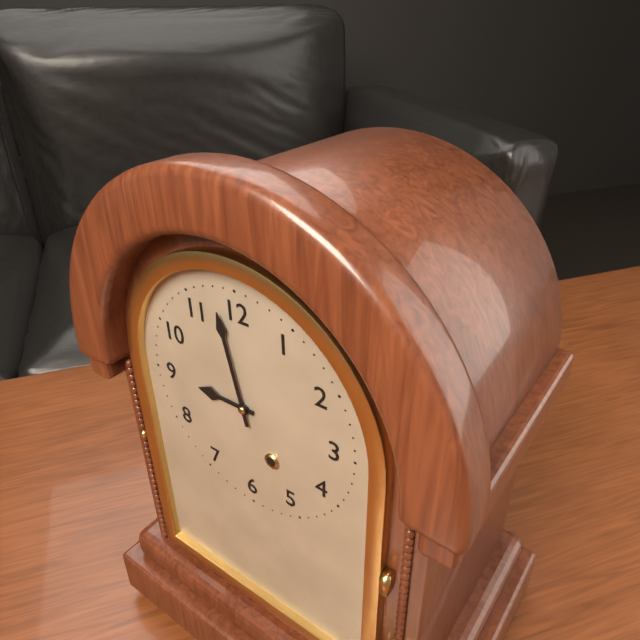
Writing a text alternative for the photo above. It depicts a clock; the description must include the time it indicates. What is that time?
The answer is 8:58
